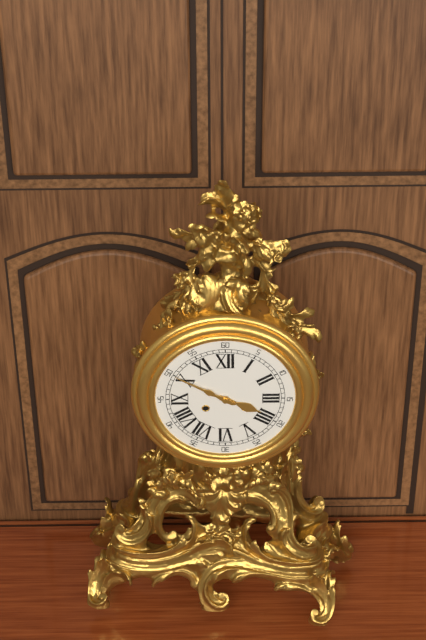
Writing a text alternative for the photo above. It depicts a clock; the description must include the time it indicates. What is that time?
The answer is 3:50
